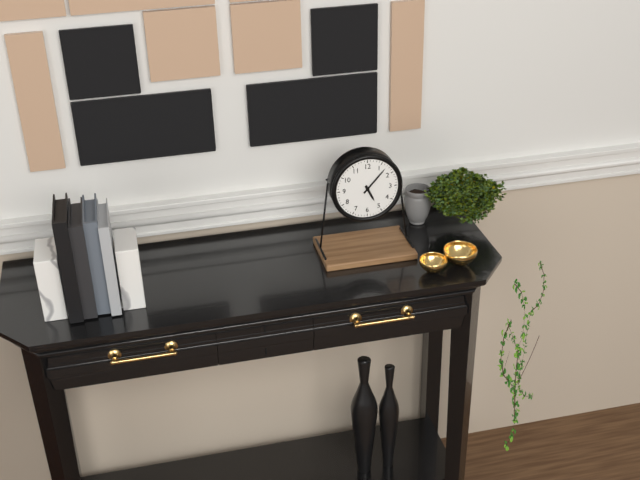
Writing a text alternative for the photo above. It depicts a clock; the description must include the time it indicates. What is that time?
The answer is 5:07
